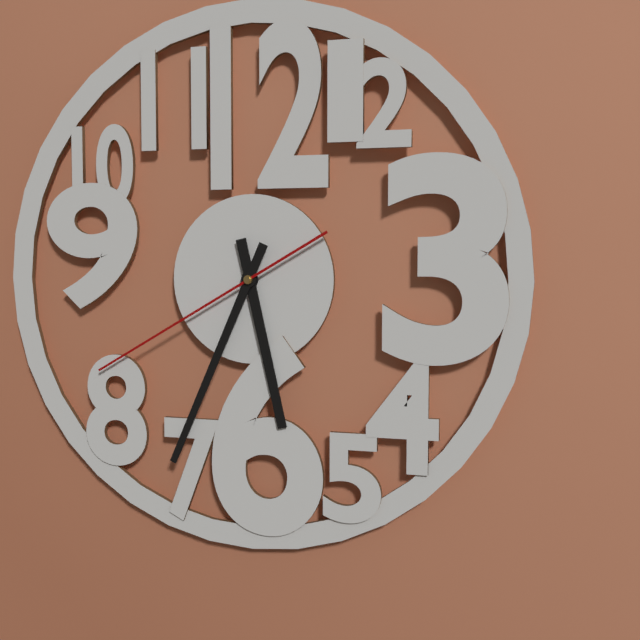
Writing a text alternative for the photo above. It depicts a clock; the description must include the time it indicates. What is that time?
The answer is 5:34:40
